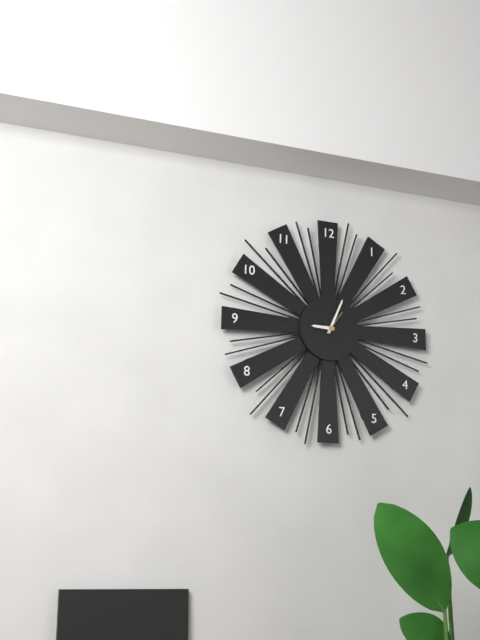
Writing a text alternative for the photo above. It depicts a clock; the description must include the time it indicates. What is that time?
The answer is 9:04
